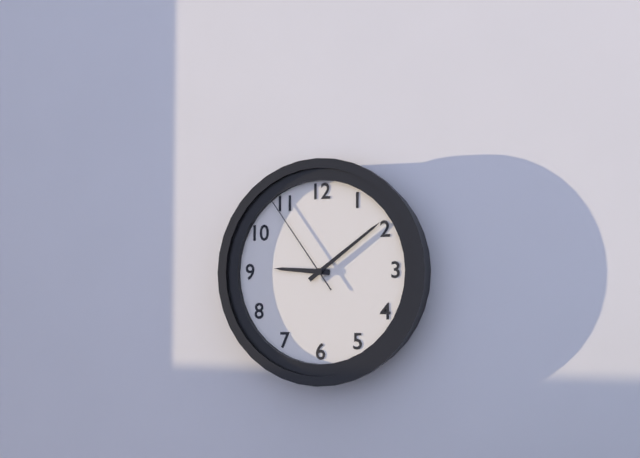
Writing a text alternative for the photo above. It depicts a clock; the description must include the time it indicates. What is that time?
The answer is 9:09:54
